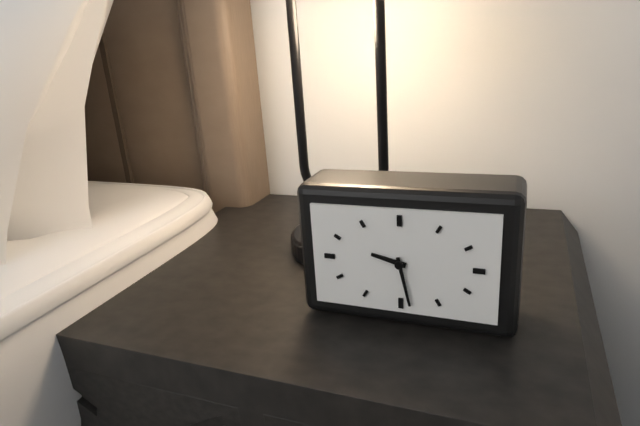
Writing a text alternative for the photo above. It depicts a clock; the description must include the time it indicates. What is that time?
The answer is 9:28
